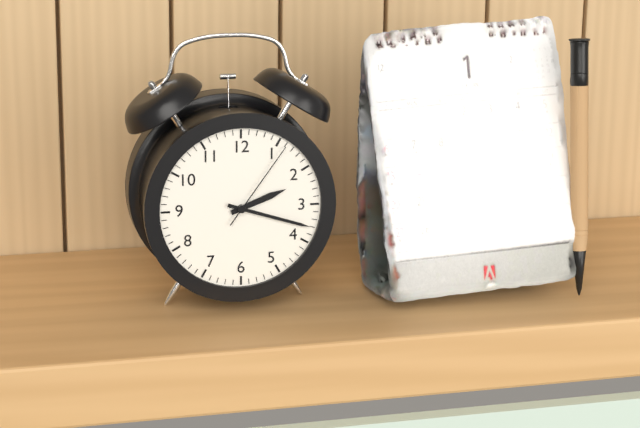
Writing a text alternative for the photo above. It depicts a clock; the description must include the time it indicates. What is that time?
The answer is 2:18:06
